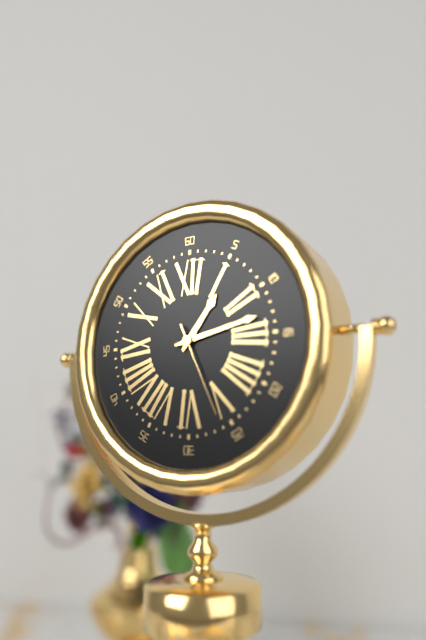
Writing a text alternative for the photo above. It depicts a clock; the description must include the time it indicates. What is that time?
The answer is 1:13:26
